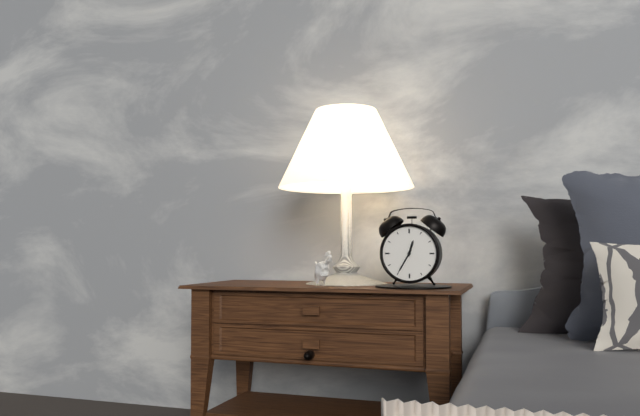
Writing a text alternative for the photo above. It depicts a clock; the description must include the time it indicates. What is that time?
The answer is 12:35
